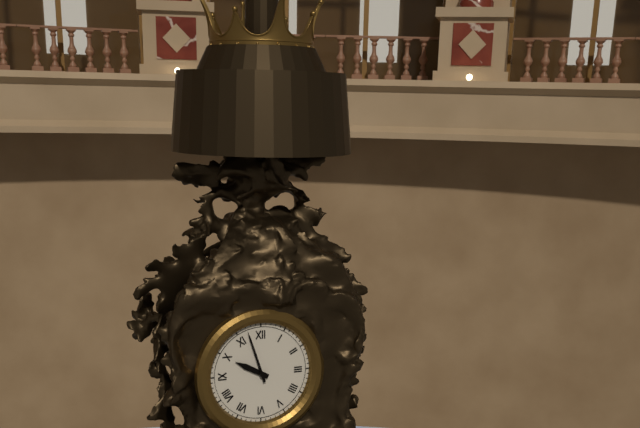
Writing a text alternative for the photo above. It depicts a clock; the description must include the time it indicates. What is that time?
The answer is 9:57
